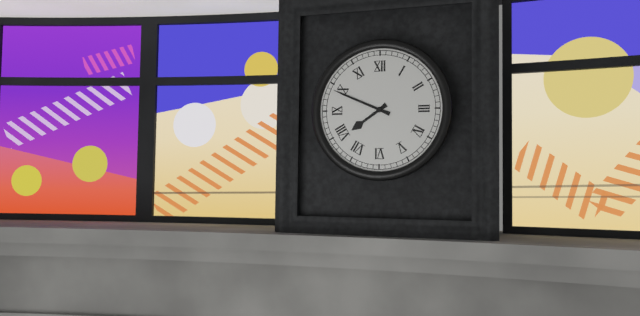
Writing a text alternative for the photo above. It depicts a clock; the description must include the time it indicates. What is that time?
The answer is 7:49
